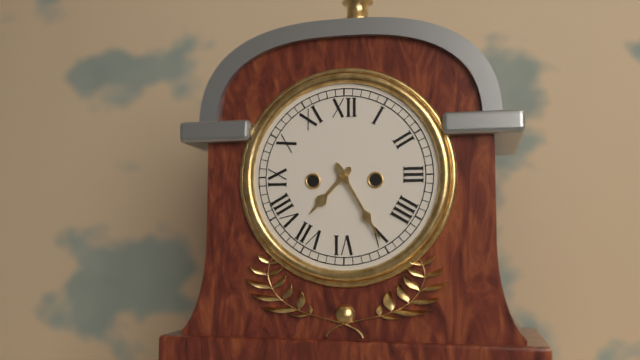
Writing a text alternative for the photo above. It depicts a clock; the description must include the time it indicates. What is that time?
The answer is 7:25
